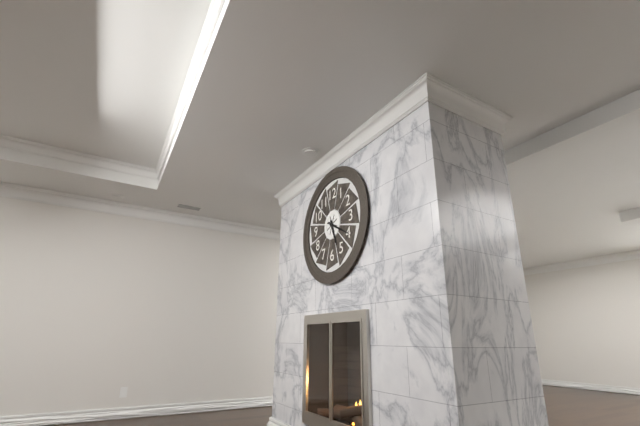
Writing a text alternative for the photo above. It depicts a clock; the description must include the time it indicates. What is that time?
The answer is 5:20
